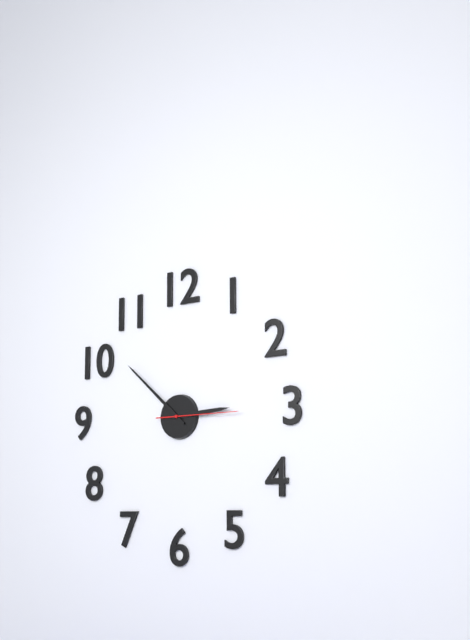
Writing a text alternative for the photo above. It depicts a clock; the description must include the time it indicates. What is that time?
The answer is 2:52:15
